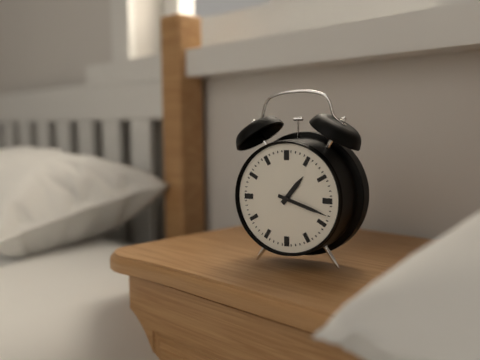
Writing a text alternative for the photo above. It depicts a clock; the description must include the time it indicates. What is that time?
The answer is 1:18
